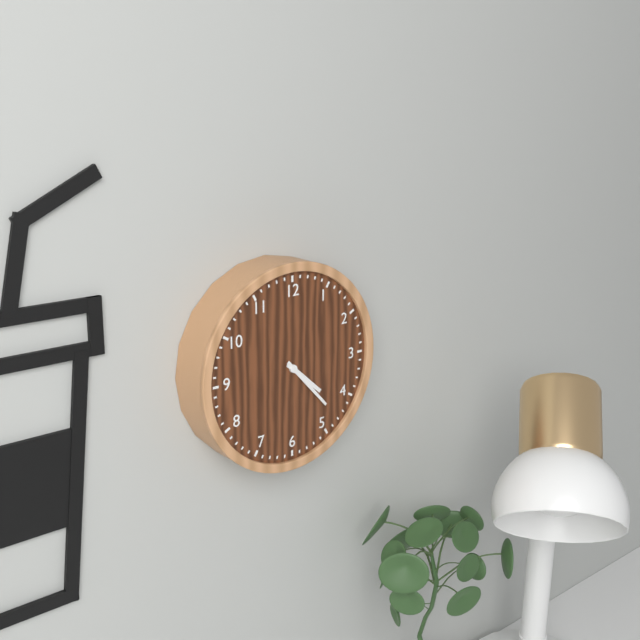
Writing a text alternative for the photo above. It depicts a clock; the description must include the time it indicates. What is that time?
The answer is 4:23
